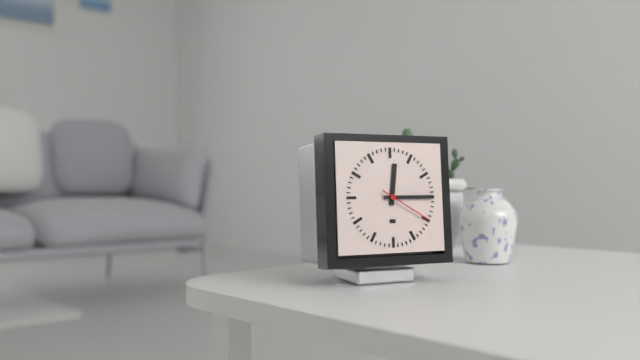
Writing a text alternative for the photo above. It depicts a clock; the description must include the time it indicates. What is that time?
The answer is 12:15:20
